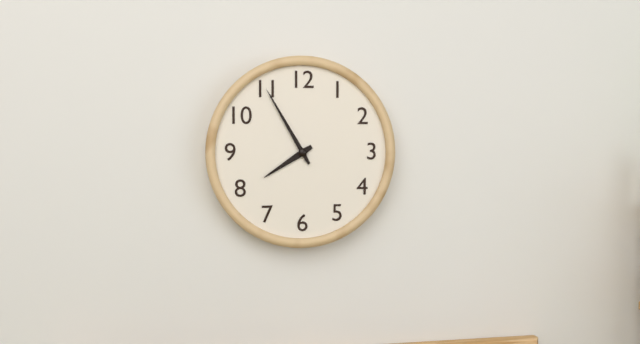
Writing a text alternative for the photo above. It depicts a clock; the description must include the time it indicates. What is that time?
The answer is 7:55
